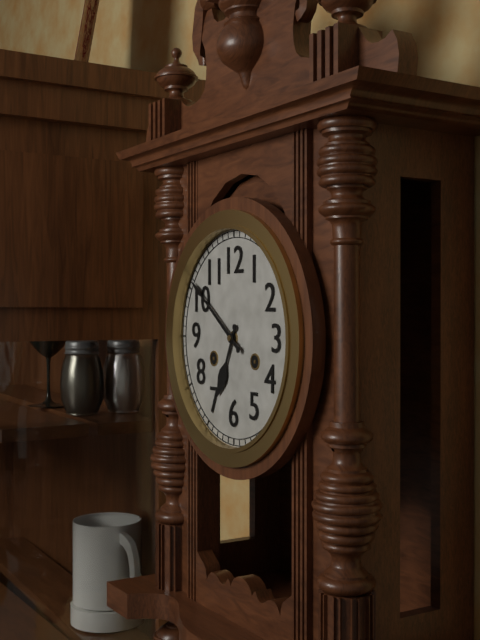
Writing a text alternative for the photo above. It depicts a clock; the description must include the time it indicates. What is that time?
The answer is 6:51
